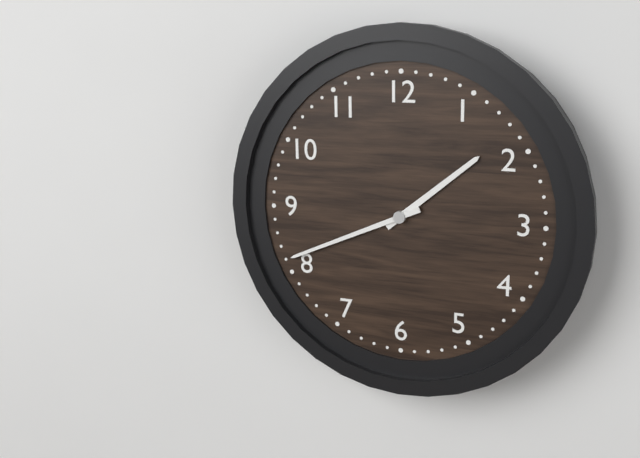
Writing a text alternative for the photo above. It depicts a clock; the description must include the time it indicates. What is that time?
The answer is 1:41
